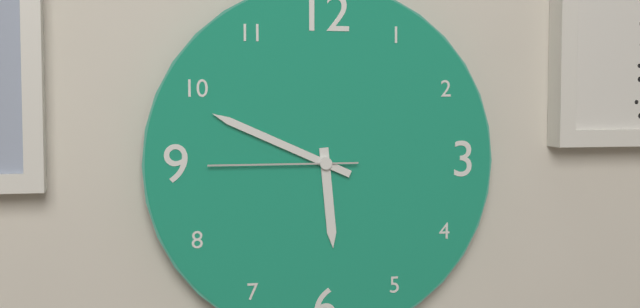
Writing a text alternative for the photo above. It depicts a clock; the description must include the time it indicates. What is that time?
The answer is 5:49:45
